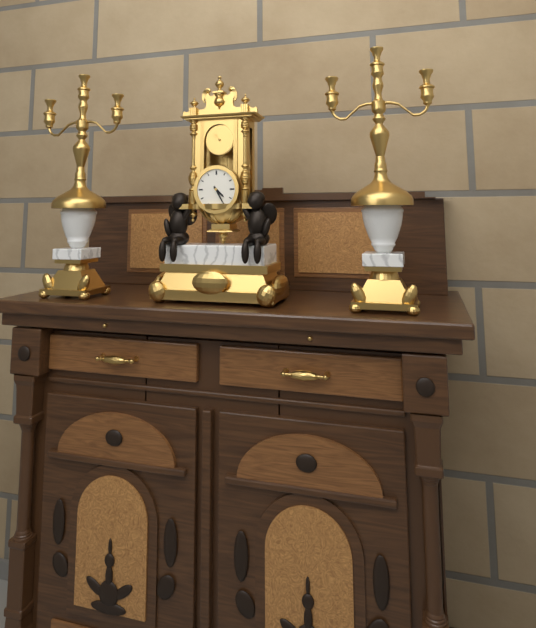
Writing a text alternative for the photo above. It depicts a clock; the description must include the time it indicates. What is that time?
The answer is 4:25
